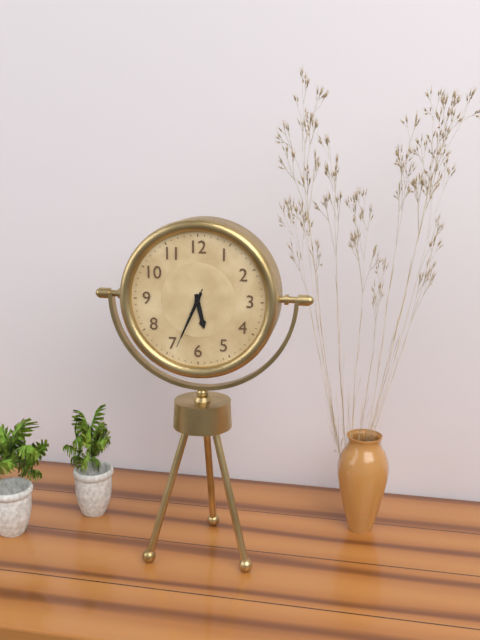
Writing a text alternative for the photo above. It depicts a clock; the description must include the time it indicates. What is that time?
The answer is 5:34:34
